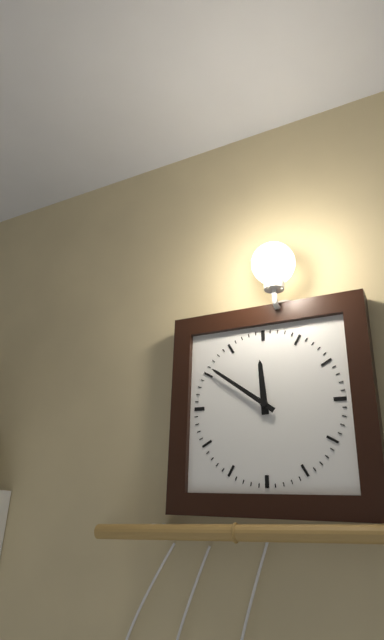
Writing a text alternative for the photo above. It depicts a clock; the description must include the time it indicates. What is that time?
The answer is 11:51
